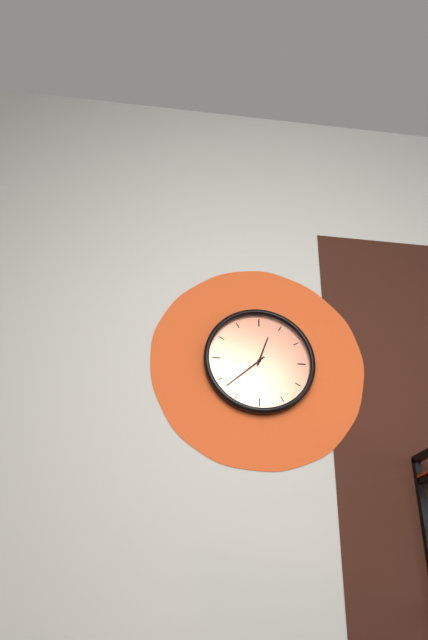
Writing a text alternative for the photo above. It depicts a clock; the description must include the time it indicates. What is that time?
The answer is 12:38
